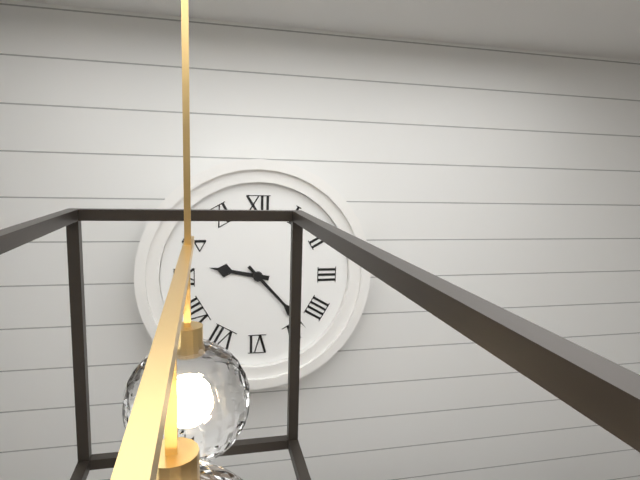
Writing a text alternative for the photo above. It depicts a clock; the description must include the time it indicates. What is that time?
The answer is 9:23
